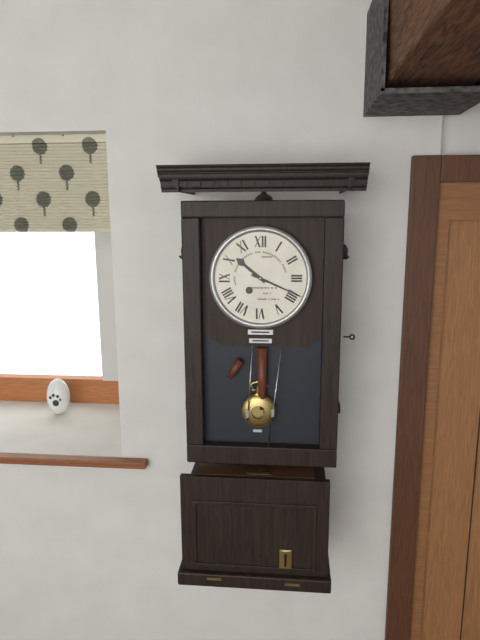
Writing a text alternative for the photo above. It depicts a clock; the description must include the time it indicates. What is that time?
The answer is 10:19
